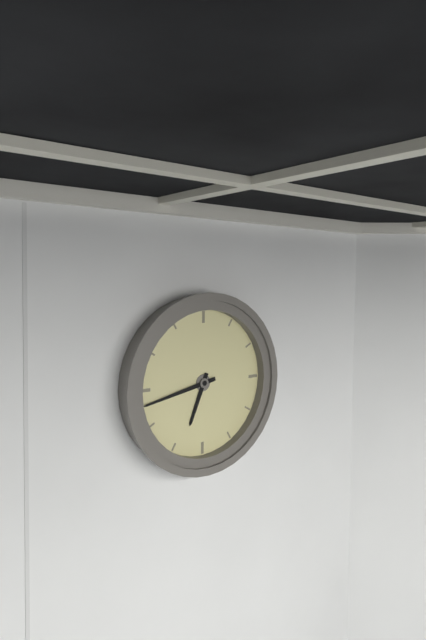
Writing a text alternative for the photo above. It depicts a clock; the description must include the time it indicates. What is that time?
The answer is 6:43
